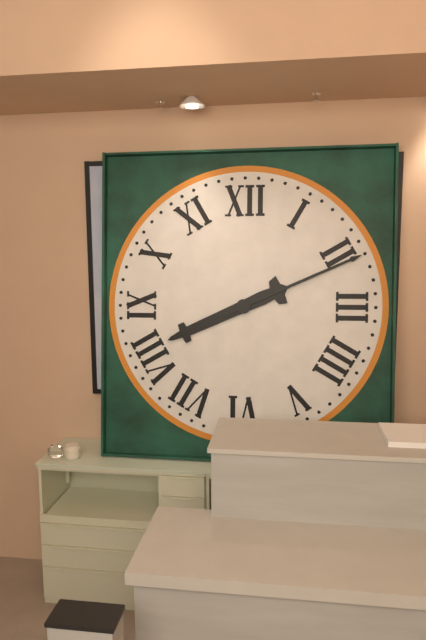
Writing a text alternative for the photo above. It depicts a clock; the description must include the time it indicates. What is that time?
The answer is 8:11
